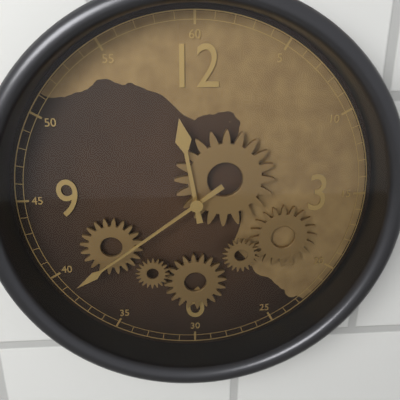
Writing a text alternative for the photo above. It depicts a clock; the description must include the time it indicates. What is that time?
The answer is 11:39
